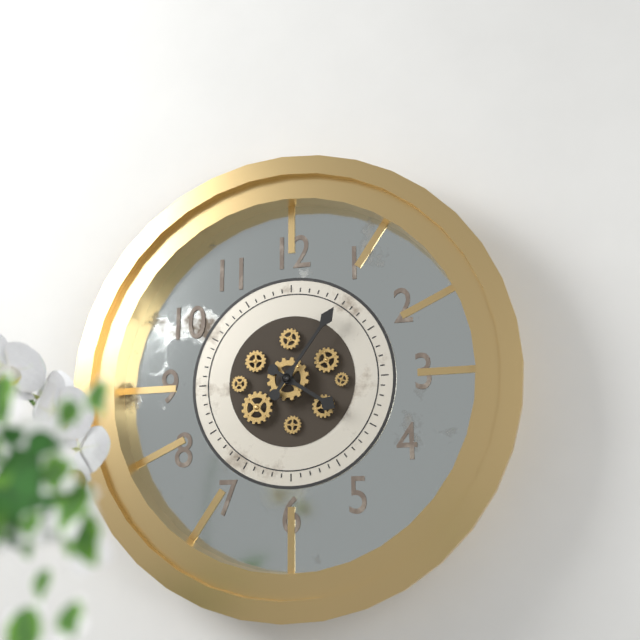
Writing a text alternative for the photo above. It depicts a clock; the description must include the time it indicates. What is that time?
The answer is 4:06
